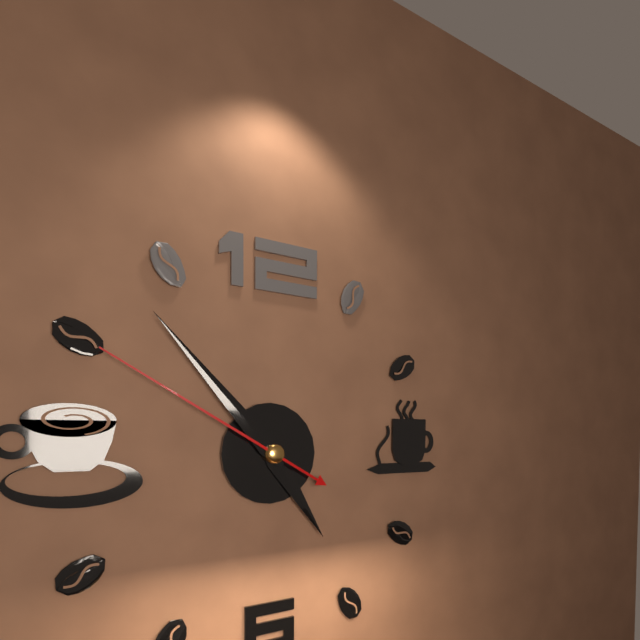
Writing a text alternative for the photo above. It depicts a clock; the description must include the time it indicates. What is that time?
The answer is 4:53:50
